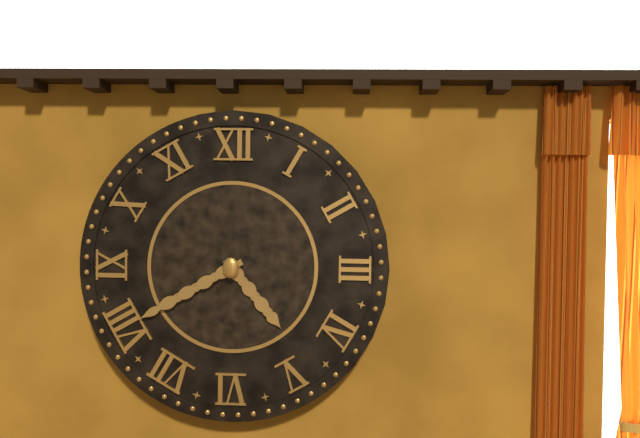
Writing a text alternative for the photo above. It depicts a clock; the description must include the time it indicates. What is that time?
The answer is 4:40
